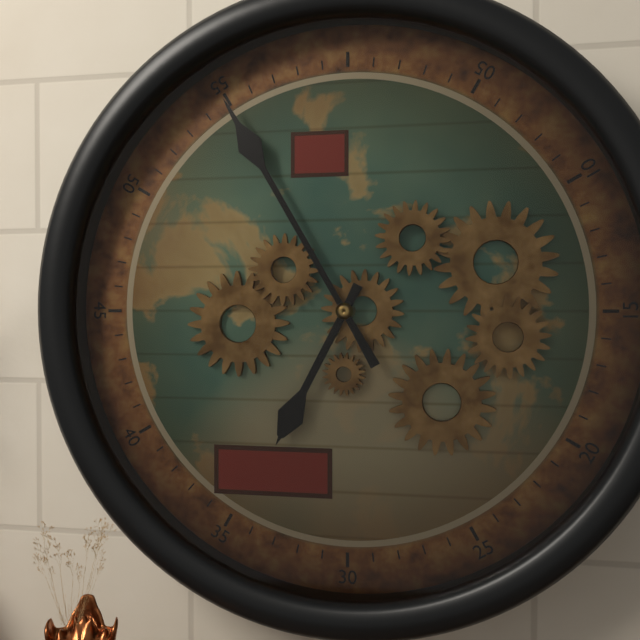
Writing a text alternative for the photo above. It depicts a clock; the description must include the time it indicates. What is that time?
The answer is 6:55
